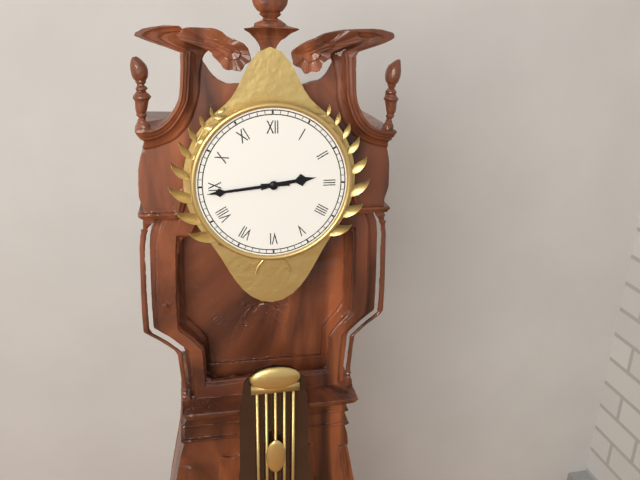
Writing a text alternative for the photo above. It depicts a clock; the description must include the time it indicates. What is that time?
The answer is 2:44
